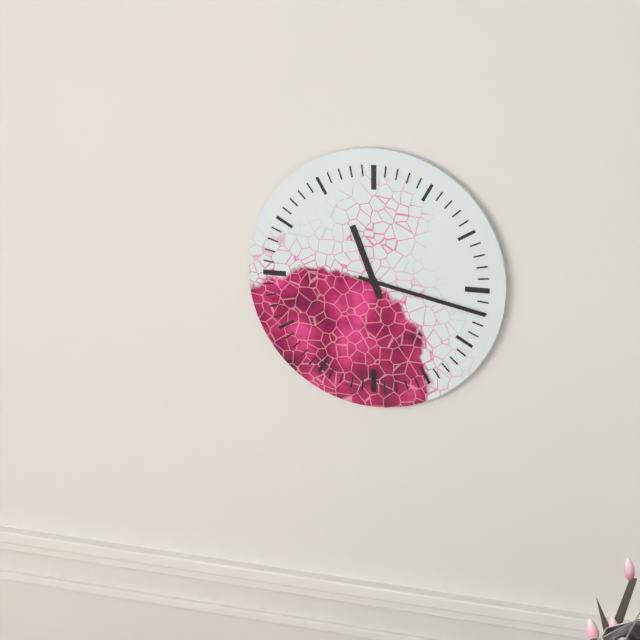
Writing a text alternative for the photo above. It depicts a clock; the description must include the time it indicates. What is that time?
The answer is 11:17
